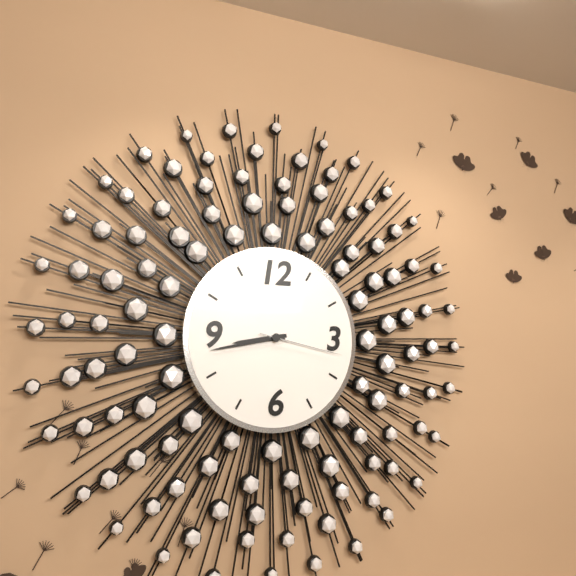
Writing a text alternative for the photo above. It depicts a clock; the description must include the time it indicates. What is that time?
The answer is 8:43:17
